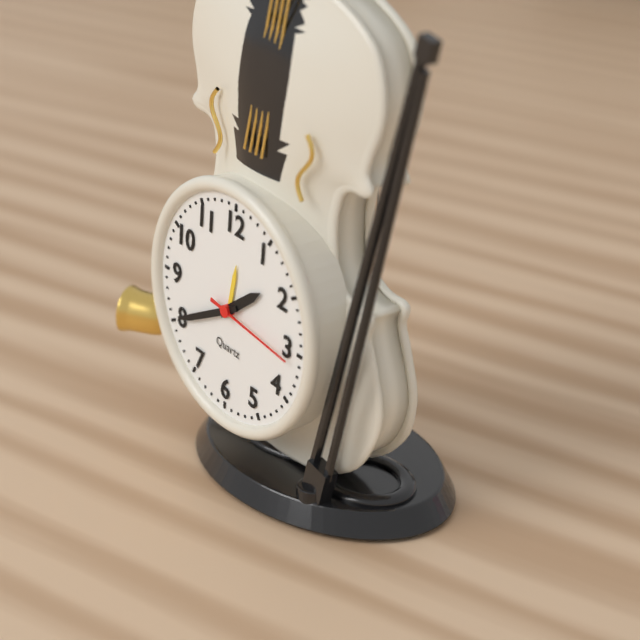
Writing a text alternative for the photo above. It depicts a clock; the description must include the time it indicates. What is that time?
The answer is 1:40:16
